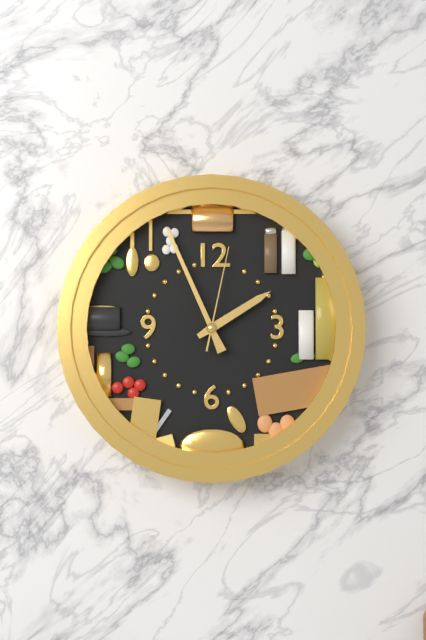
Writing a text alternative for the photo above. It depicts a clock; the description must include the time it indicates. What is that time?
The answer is 1:56:02
